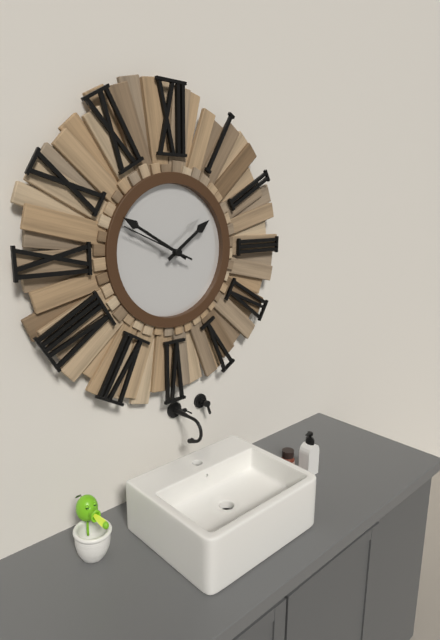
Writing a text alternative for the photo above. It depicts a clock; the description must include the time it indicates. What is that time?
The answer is 1:50:49
